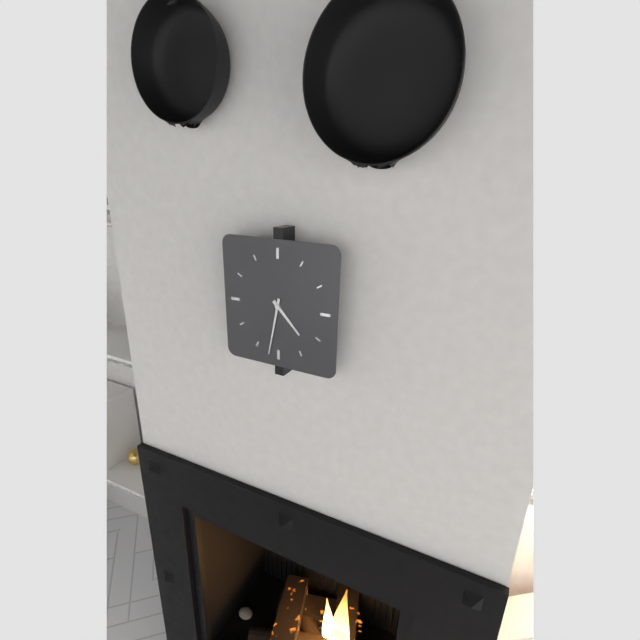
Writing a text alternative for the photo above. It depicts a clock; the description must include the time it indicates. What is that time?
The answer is 4:32
